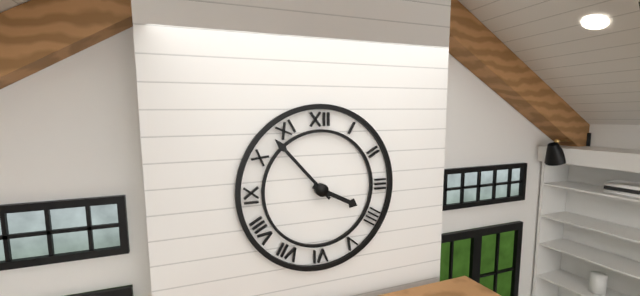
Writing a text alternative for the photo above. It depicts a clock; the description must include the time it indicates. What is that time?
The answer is 3:53
